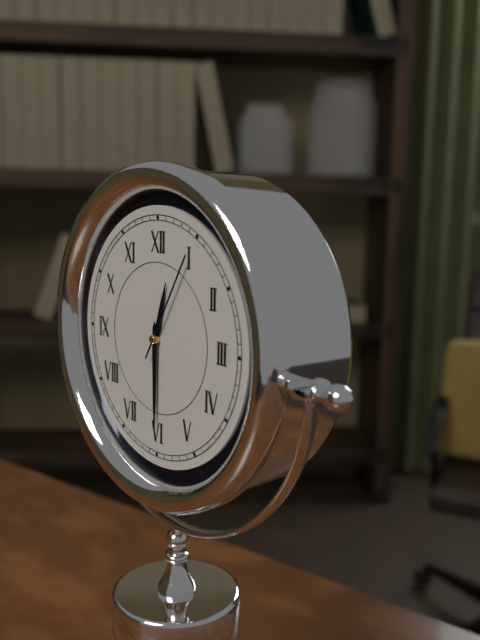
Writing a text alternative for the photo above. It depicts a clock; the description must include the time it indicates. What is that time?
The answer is 12:30:05
